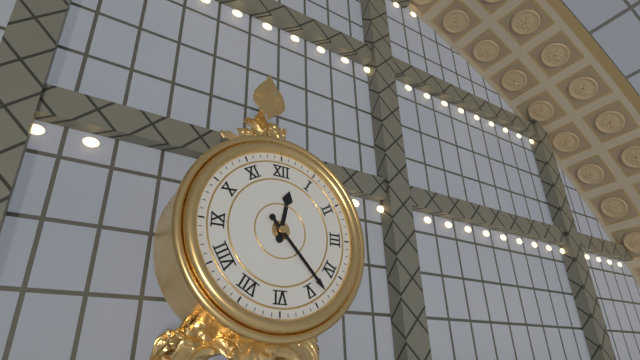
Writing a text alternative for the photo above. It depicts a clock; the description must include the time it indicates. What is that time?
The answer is 12:23
